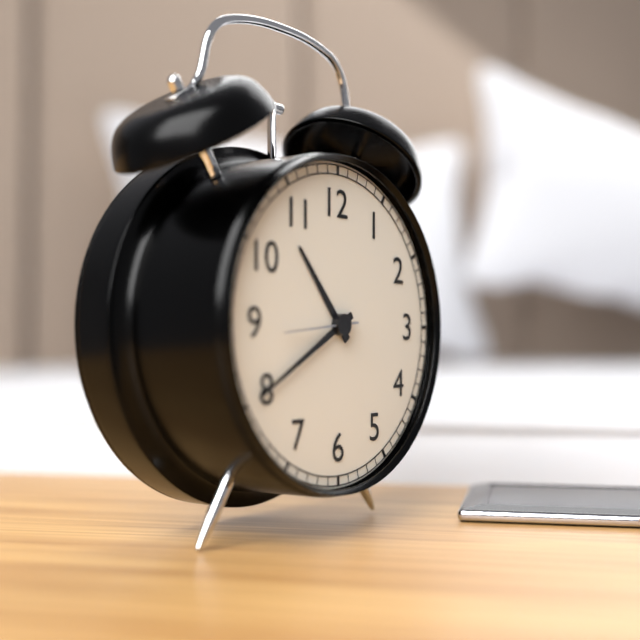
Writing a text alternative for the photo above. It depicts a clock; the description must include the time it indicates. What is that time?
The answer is 10:40
